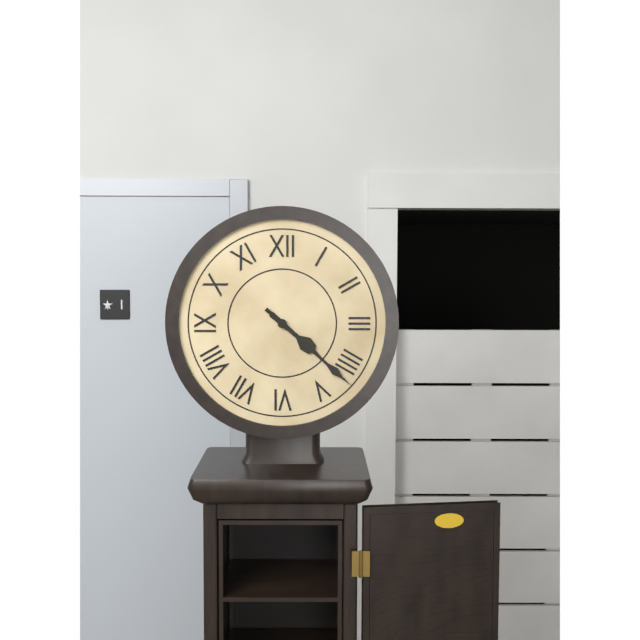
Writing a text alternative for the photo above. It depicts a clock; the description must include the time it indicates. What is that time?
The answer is 4:22
